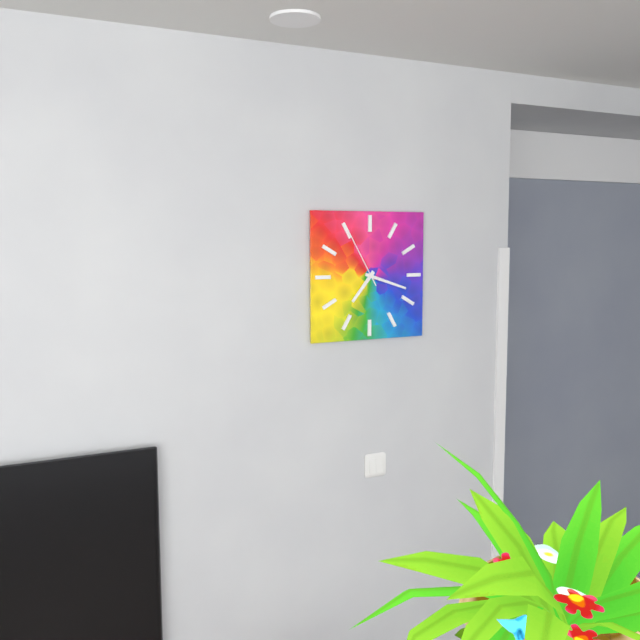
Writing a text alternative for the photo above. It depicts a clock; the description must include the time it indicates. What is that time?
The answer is 7:18:55
